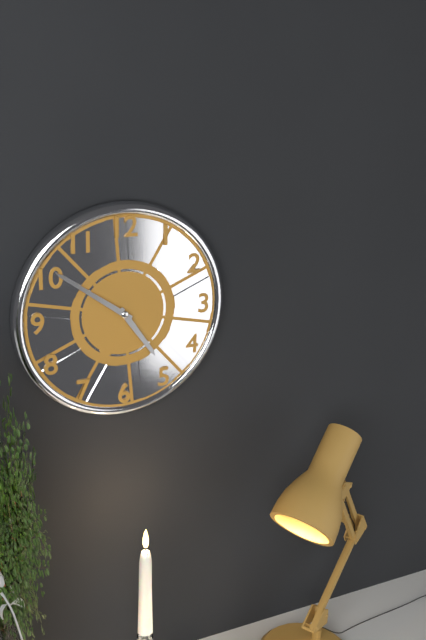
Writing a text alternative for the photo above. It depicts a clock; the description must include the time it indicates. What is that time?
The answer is 4:51
